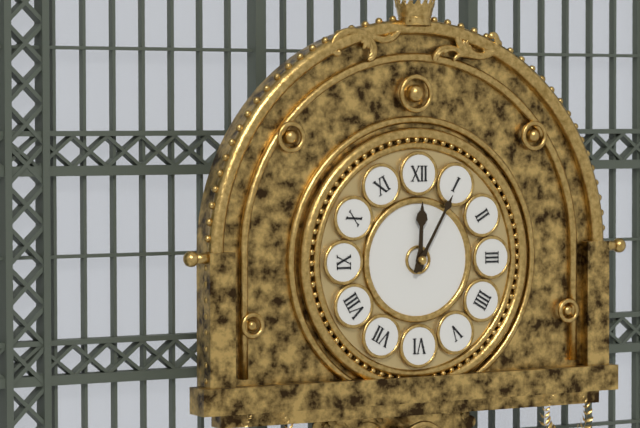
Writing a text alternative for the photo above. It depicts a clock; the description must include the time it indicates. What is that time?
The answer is 12:05
